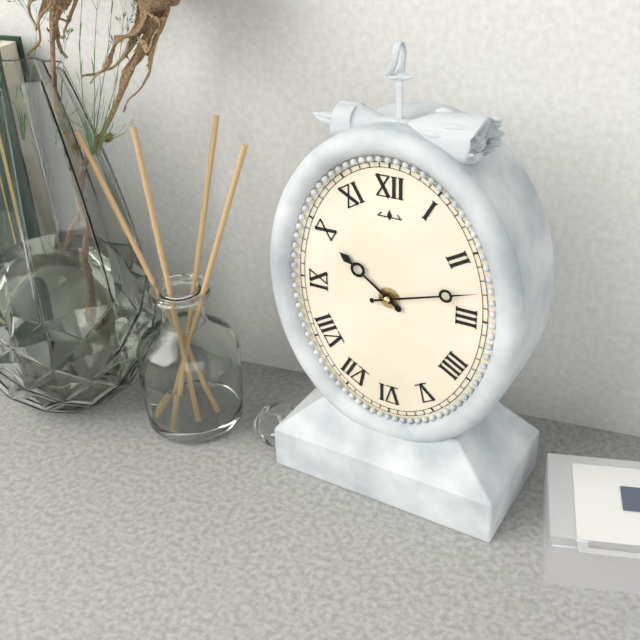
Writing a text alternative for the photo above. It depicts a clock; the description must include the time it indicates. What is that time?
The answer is 10:12
